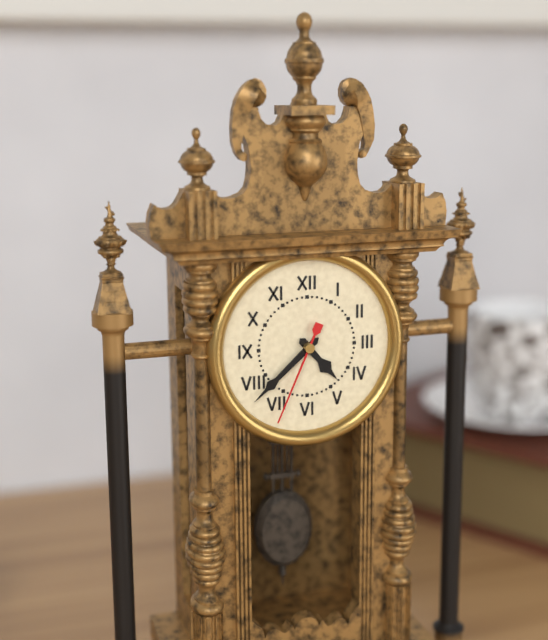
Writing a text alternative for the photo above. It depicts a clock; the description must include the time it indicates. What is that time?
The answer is 4:38:34
